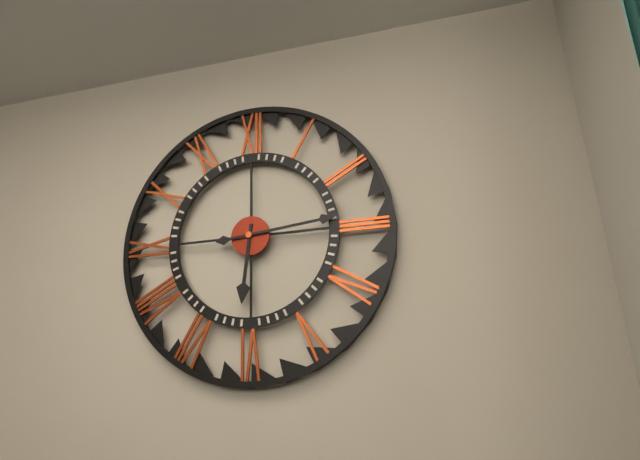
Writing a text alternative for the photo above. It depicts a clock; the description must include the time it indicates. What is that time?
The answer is 6:14
